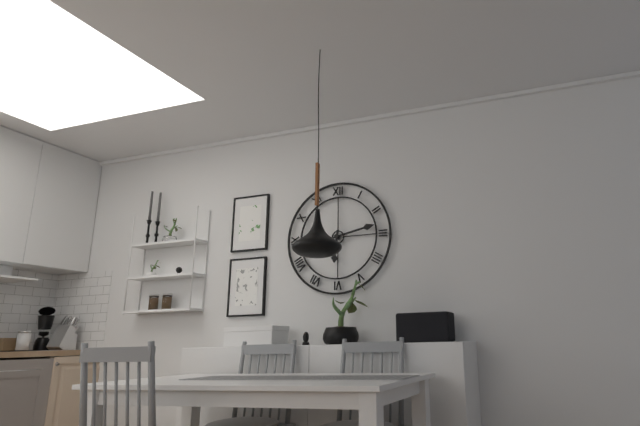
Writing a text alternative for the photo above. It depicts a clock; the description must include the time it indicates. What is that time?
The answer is 6:13
